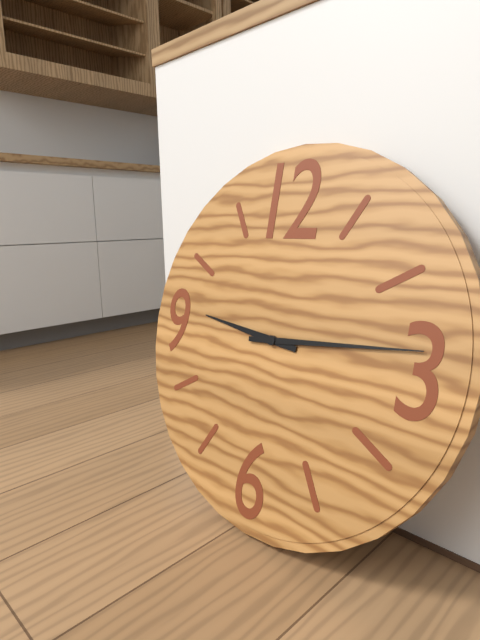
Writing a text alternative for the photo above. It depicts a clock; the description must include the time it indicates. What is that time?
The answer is 9:14
